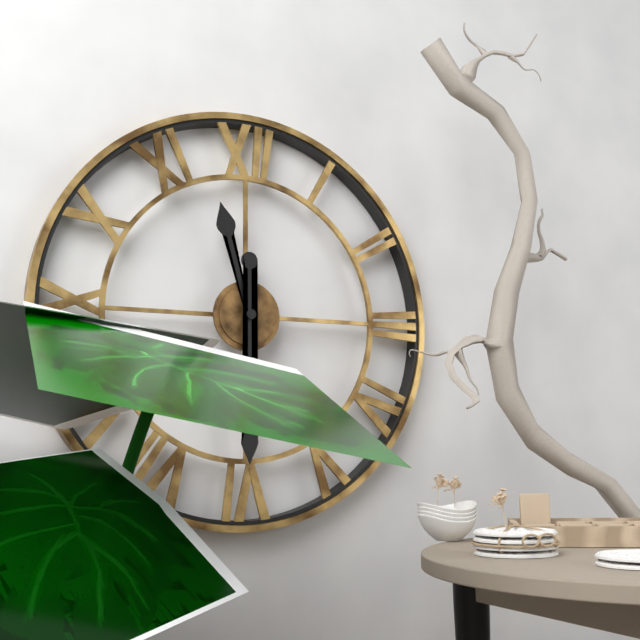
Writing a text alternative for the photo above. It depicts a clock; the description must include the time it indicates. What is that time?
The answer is 11:30
